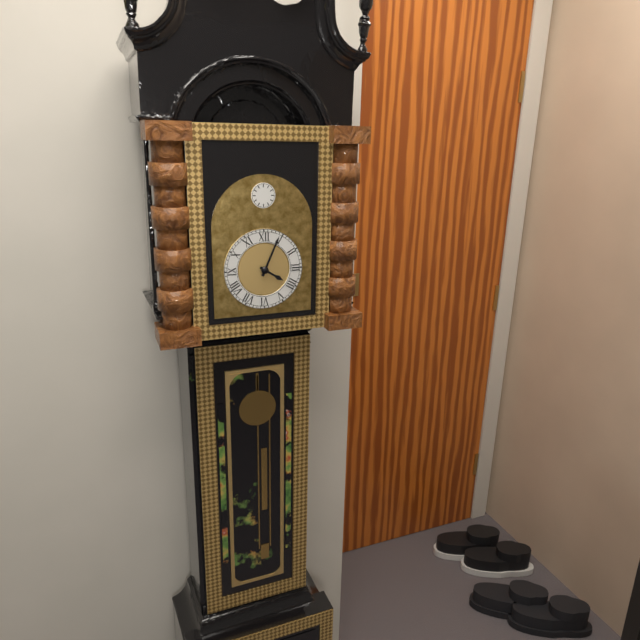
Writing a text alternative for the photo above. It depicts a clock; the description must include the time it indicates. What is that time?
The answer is 4:04
